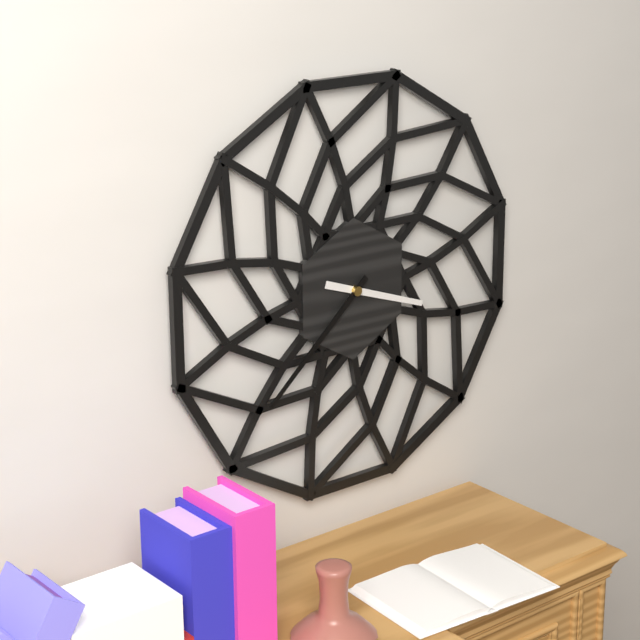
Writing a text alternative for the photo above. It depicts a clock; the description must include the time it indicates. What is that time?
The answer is 3:38
